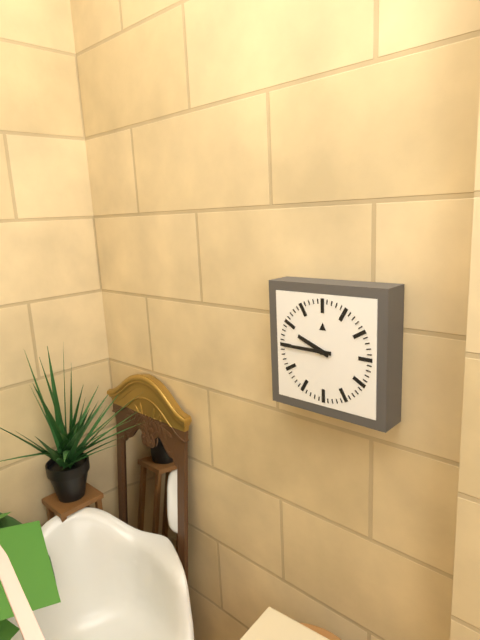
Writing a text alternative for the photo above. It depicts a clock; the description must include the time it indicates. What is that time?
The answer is 9:45
